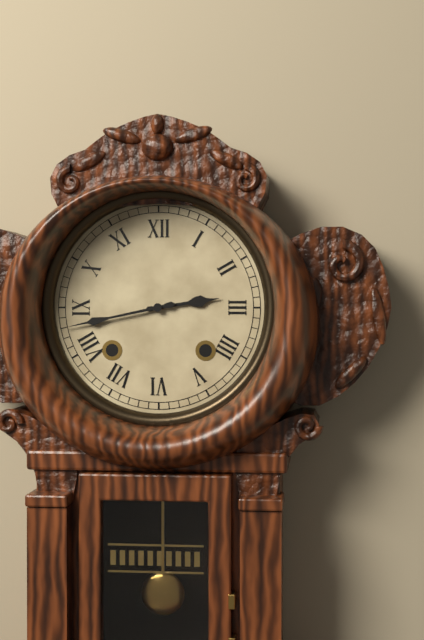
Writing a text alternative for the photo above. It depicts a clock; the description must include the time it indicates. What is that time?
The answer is 2:43
